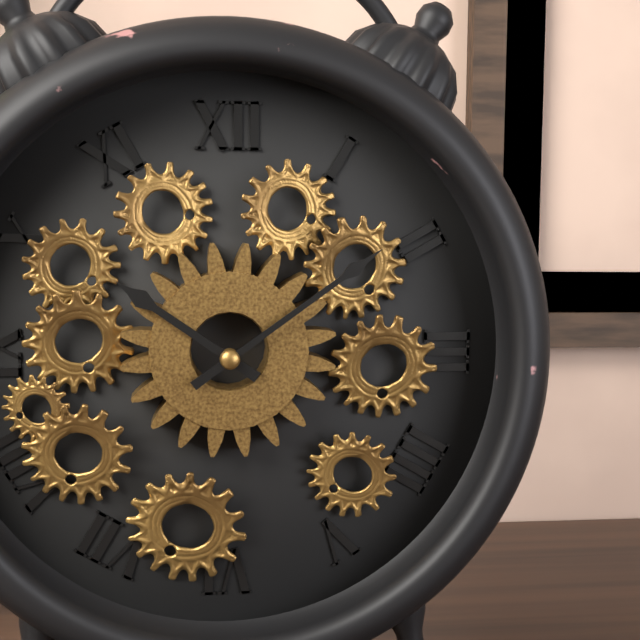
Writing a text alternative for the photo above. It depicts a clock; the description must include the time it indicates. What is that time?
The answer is 10:09
